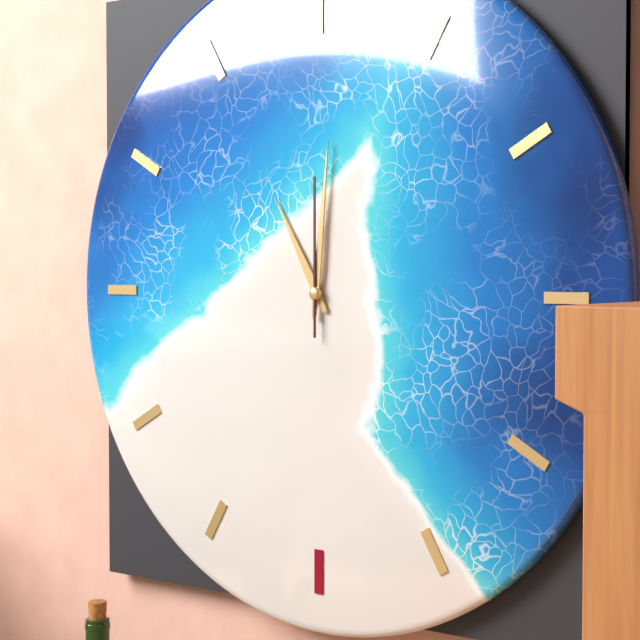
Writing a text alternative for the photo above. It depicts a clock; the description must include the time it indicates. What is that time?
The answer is 11:01:00
